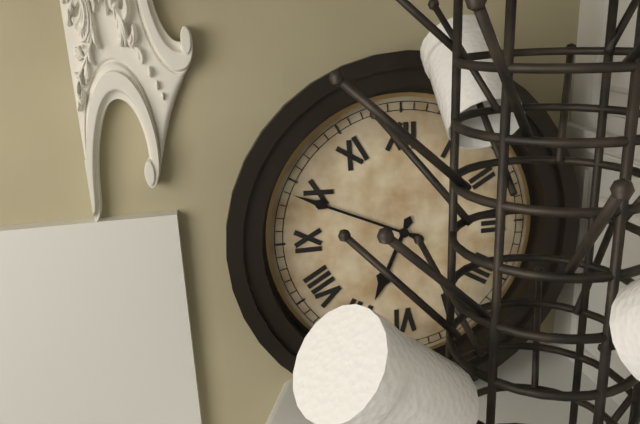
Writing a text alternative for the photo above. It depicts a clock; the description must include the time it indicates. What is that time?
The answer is 6:49
